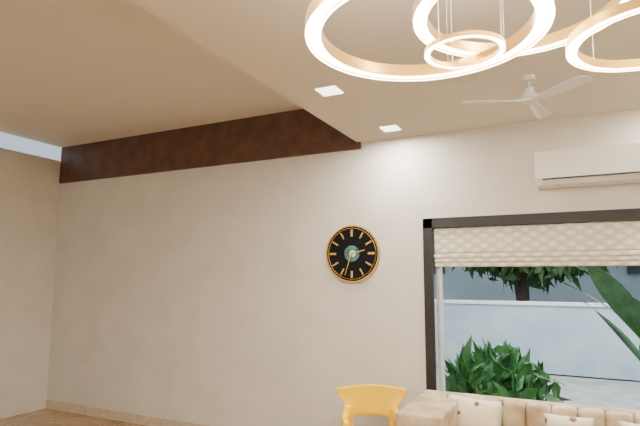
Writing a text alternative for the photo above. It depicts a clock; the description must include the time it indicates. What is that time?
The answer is 2:33
